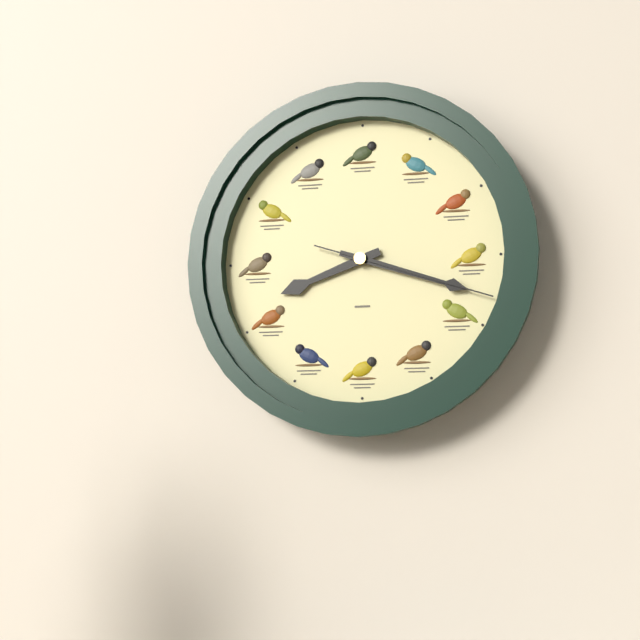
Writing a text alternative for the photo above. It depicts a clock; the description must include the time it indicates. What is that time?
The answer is 8:18:18
